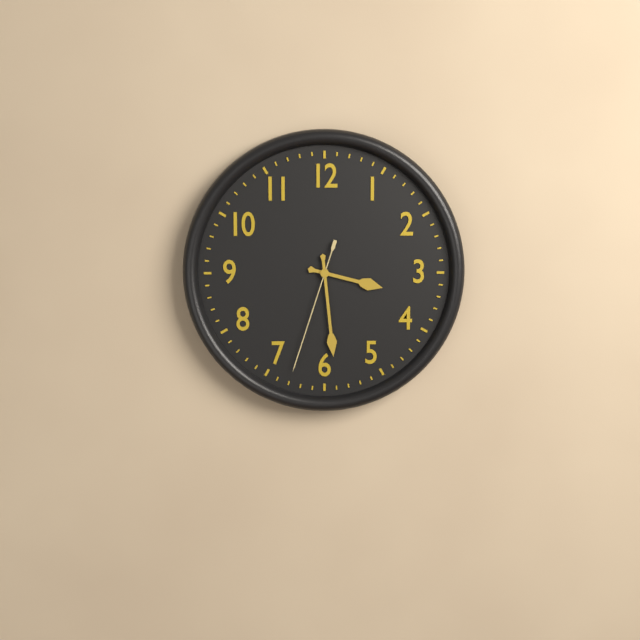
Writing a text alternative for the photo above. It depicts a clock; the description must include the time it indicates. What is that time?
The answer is 3:29:33
